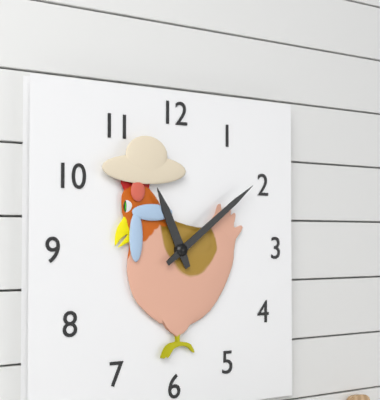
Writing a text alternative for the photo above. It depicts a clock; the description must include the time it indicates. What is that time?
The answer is 11:09
